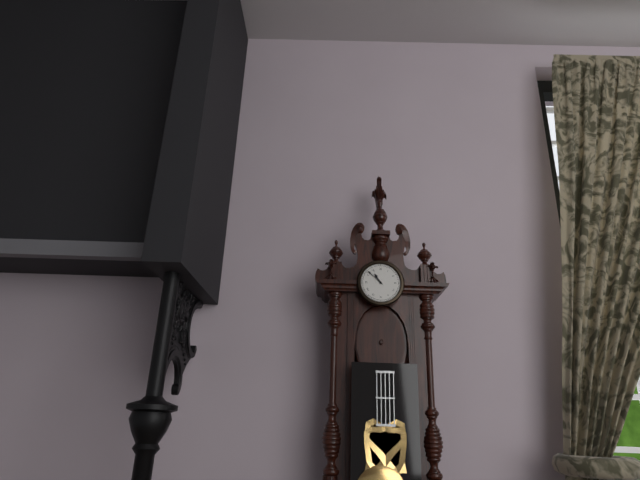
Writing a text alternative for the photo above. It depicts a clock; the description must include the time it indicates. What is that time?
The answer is 10:52
